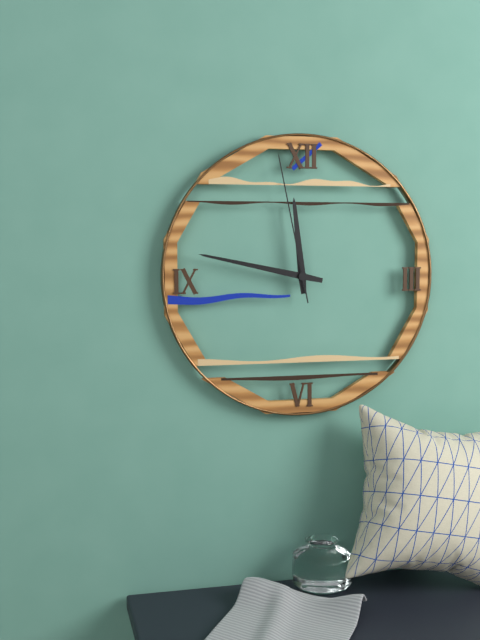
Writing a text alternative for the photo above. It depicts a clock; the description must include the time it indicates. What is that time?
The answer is 11:47:58
